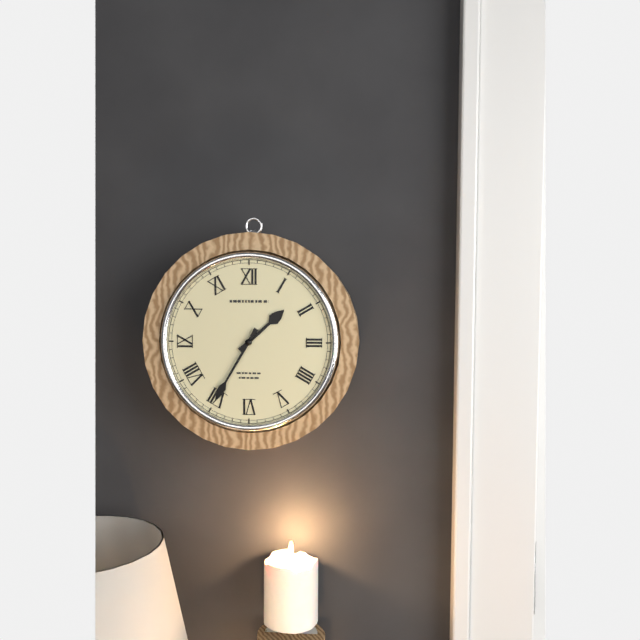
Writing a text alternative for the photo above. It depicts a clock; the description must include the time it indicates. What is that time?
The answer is 1:35
